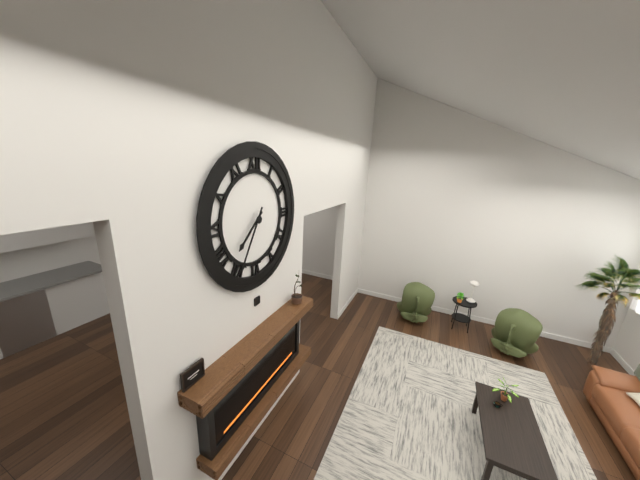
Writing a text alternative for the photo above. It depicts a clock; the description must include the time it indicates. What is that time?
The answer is 7:35
